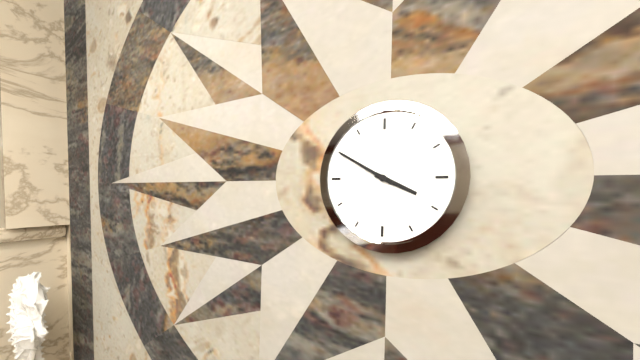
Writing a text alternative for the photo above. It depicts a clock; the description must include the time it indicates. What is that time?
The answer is 3:50
